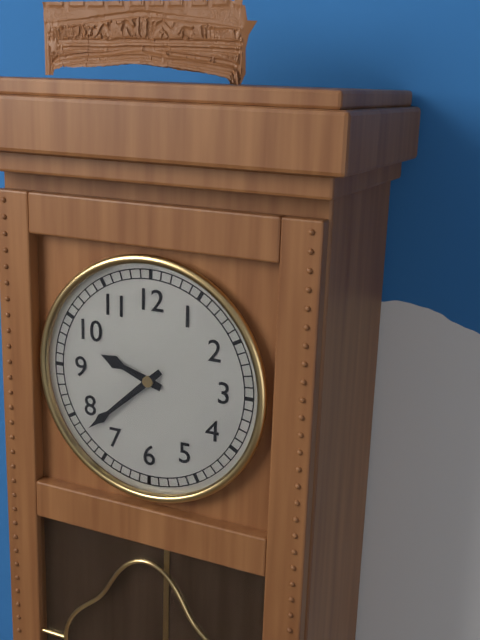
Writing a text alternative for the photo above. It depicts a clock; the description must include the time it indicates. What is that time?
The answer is 9:38
